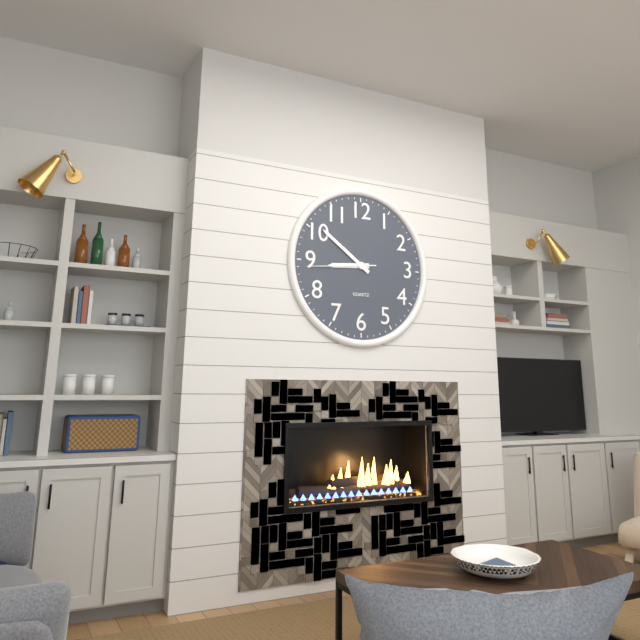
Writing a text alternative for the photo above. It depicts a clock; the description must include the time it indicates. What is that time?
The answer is 8:51:44
